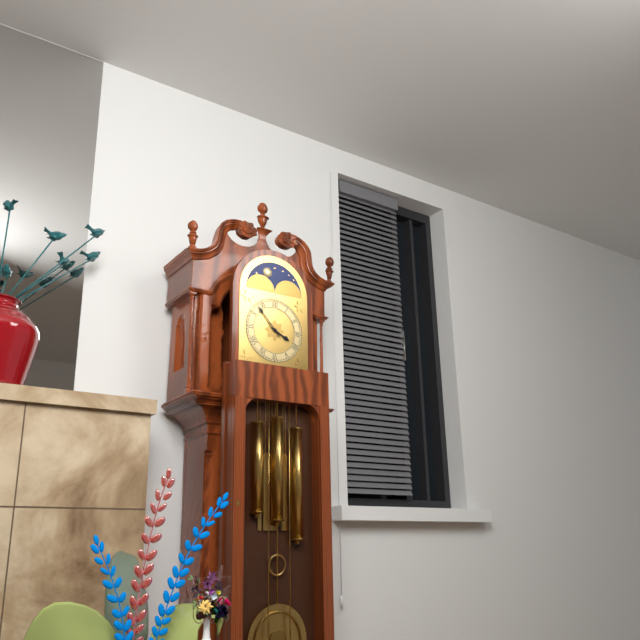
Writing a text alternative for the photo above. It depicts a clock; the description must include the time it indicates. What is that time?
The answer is 3:53
